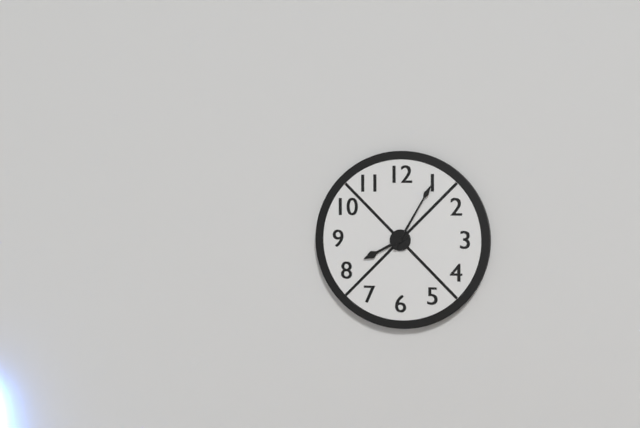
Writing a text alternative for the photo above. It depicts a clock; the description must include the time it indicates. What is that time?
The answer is 8:05
